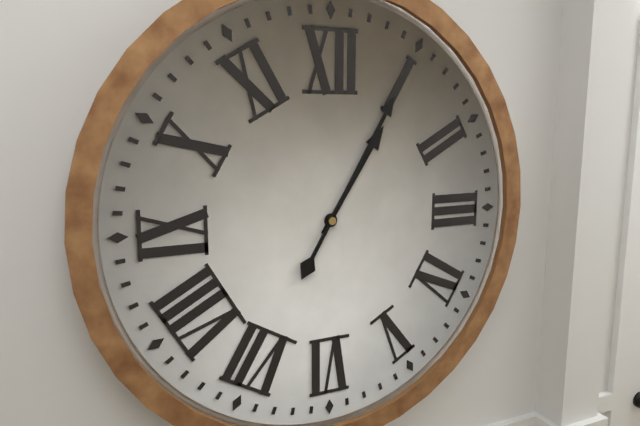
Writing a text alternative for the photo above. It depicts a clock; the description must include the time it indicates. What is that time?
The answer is 1:05
